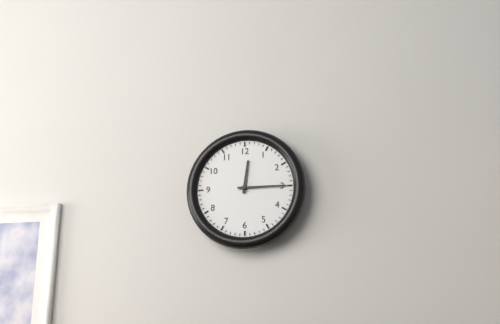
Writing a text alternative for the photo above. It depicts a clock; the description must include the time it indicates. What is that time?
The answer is 12:15
